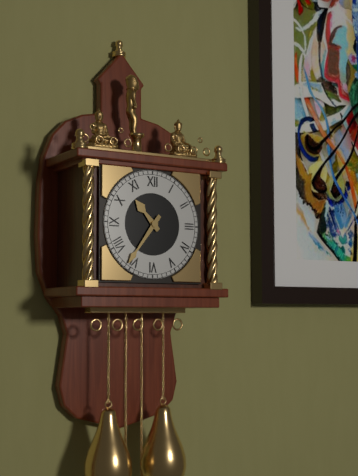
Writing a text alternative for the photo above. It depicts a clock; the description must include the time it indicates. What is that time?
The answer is 10:36
